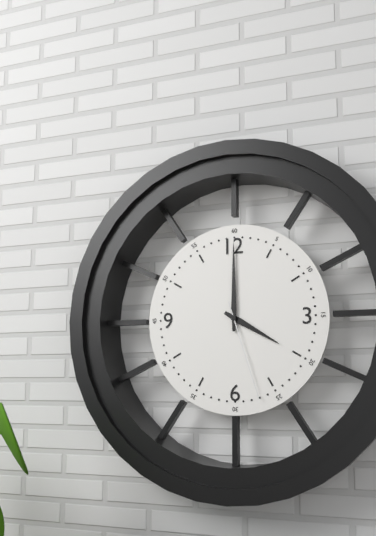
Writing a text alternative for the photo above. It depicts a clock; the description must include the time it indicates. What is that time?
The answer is 4:00:27
